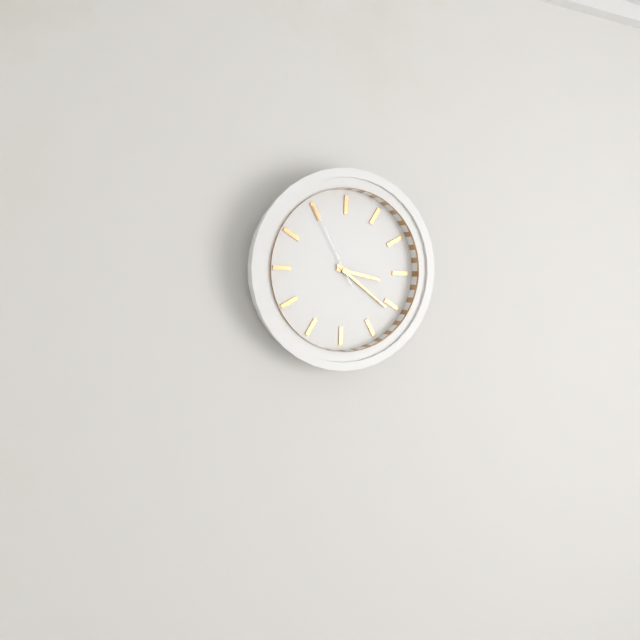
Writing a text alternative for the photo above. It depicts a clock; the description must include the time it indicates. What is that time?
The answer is 3:21:55
